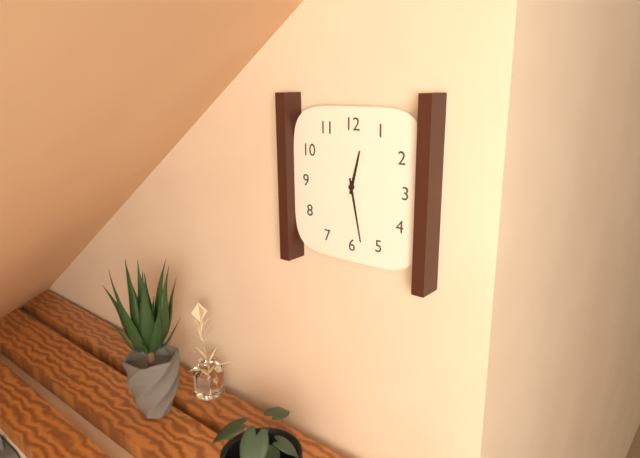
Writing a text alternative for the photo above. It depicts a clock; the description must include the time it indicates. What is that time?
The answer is 12:28
